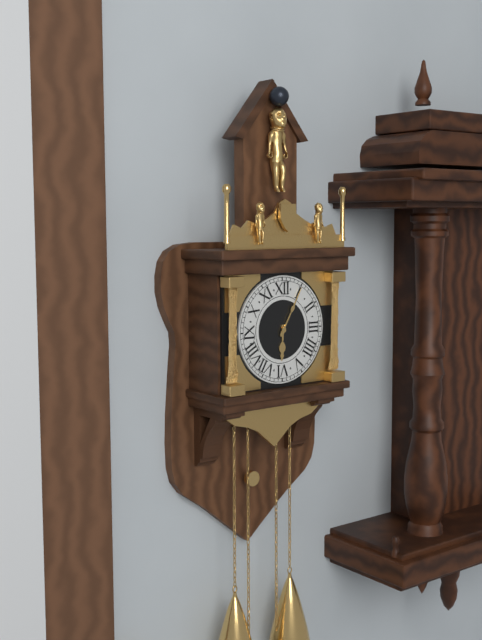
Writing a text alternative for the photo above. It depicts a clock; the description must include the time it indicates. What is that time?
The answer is 6:05
